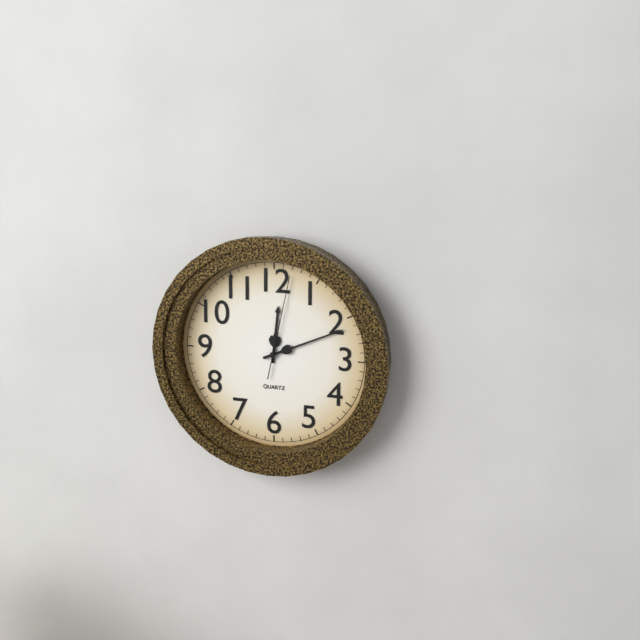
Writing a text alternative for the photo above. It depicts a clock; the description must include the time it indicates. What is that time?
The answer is 12:11:02
